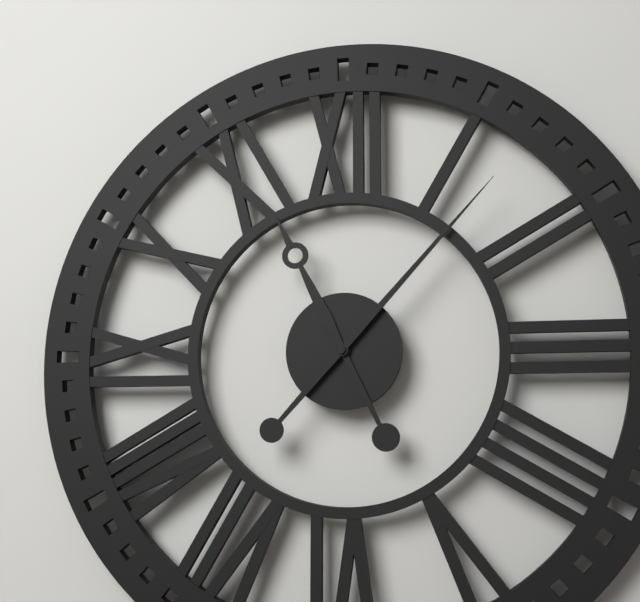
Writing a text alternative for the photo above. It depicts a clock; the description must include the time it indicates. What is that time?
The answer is 11:07
